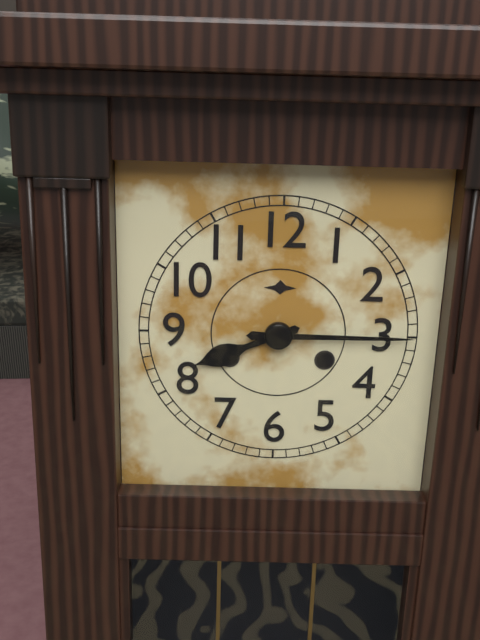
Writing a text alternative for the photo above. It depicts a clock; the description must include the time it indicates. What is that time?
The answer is 8:15
